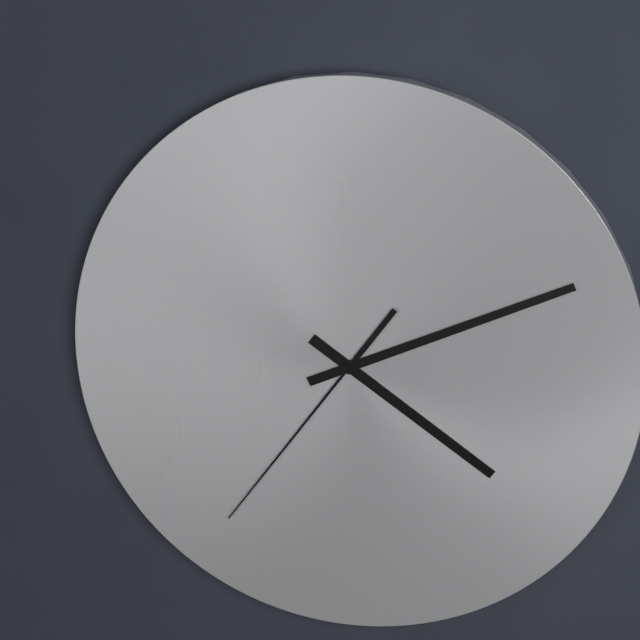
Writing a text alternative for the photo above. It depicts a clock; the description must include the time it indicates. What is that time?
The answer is 4:11:36
